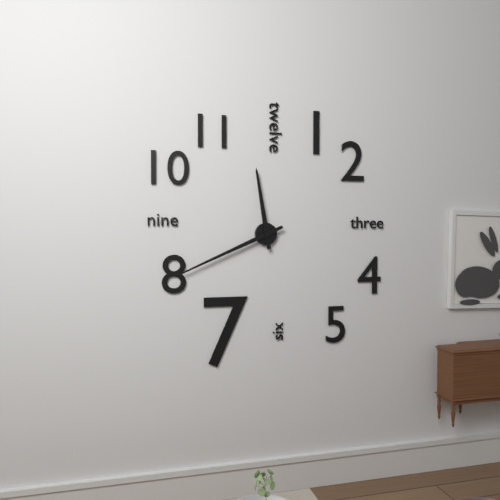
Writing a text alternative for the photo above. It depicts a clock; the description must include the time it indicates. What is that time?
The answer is 11:41
